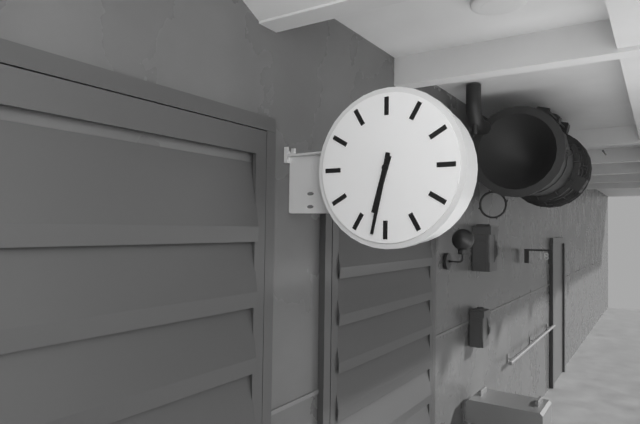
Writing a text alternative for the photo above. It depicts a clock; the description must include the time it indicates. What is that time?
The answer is 6:32
